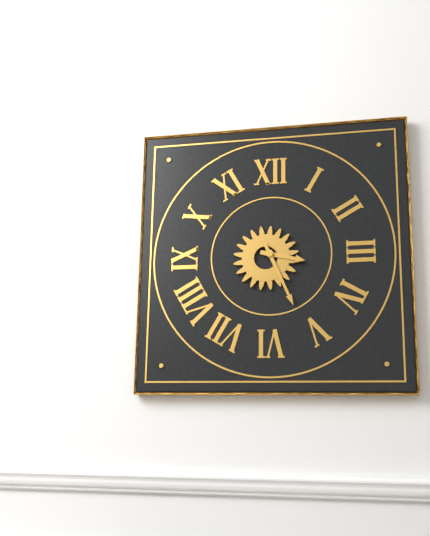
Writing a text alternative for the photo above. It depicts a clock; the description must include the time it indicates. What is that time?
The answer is 3:26
